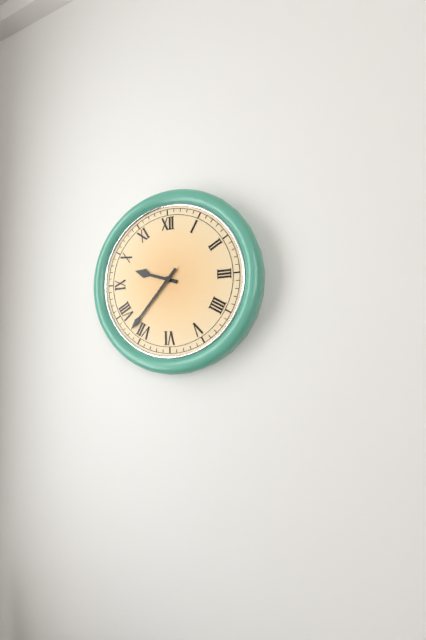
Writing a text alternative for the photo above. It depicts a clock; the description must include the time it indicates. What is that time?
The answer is 9:37
